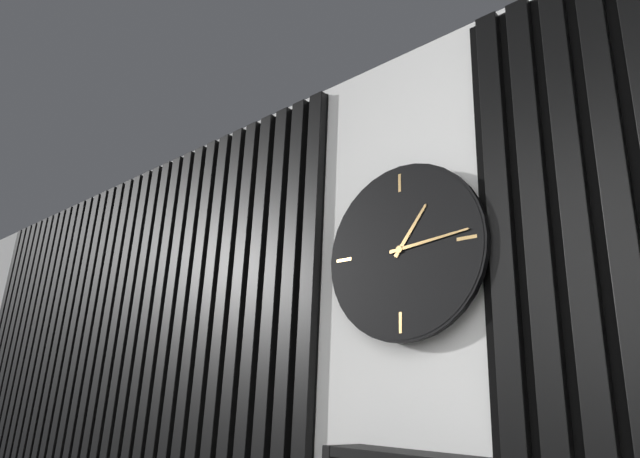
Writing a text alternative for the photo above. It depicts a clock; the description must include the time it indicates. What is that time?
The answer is 1:14
